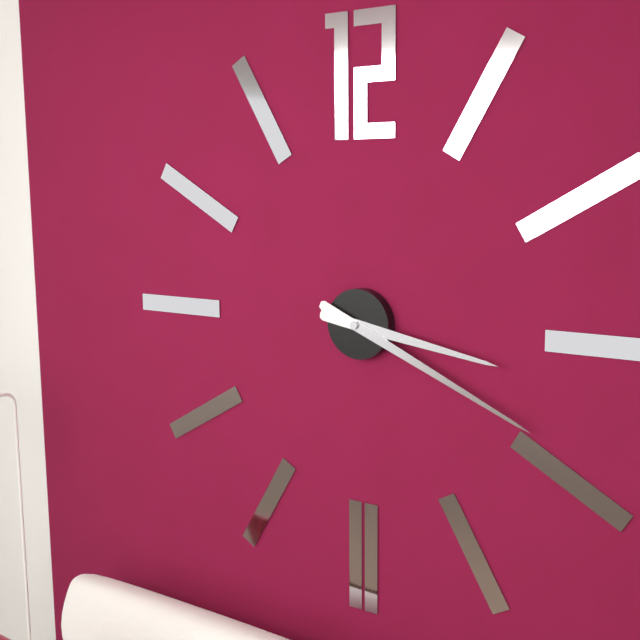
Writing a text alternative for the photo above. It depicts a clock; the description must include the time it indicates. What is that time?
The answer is 3:19
